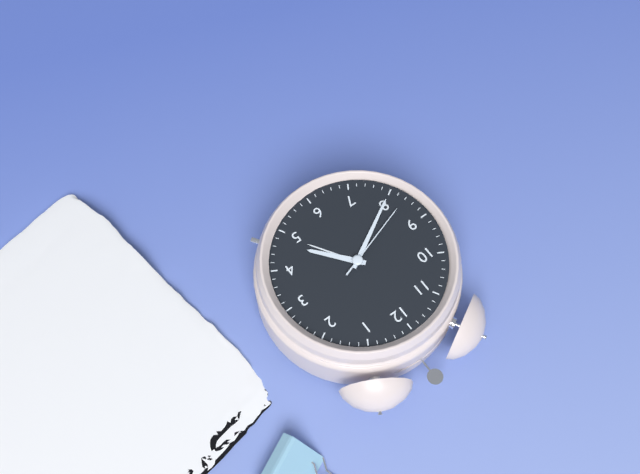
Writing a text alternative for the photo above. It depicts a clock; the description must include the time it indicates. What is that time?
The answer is 4:40:42
